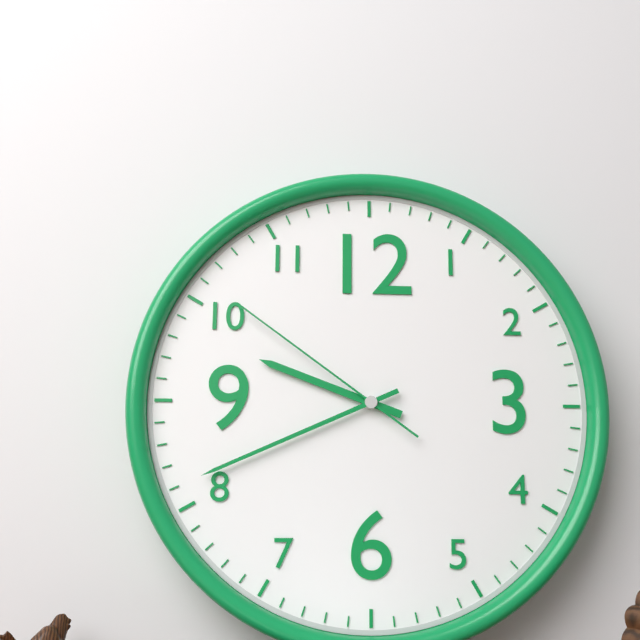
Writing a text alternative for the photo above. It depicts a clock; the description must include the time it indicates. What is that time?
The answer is 9:41:51
